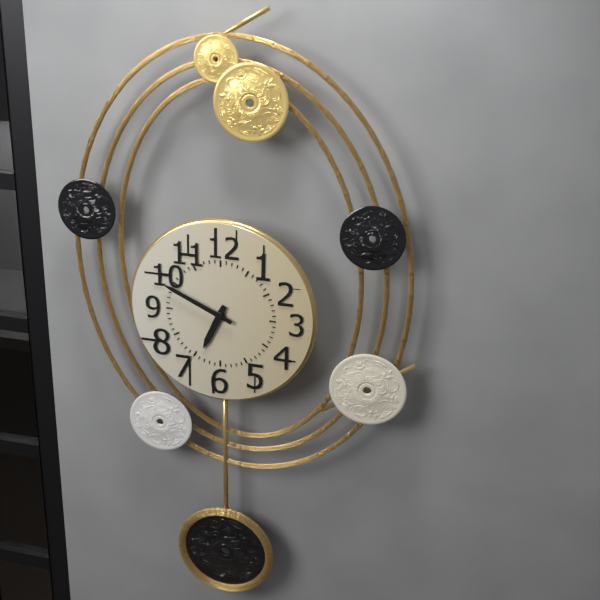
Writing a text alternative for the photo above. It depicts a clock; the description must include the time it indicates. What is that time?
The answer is 6:49
